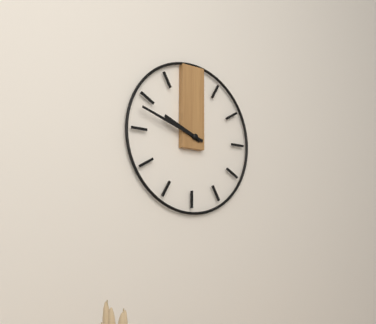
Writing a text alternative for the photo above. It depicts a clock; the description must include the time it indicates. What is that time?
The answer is 9:48
